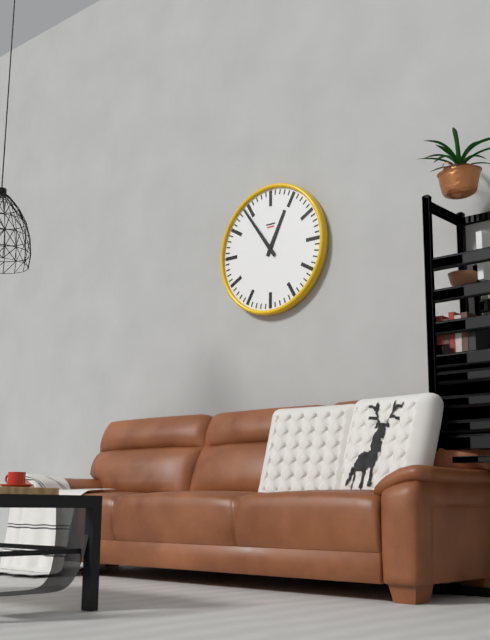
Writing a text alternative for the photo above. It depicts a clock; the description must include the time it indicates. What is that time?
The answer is 12:54
